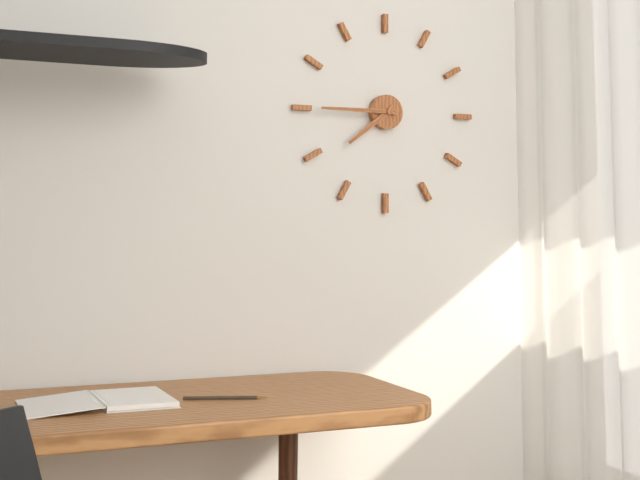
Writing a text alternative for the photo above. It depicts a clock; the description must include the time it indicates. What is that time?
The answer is 7:45
